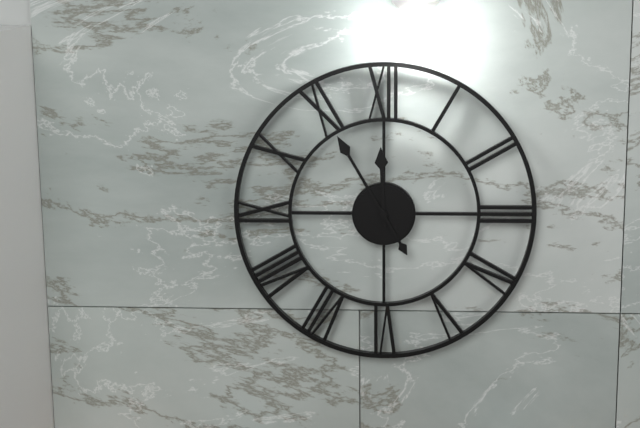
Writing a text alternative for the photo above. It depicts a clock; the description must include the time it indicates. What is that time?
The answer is 11:55
